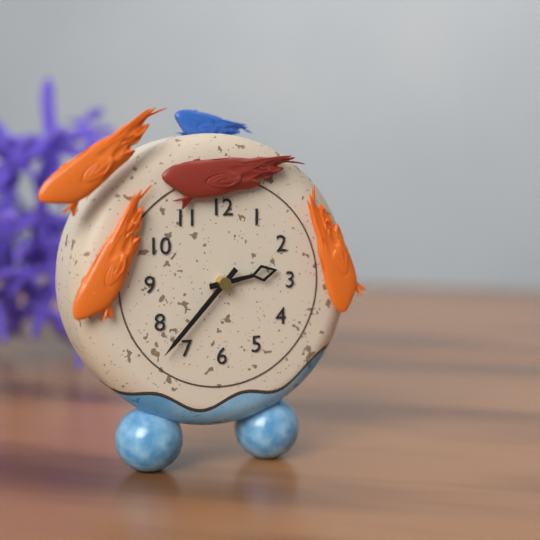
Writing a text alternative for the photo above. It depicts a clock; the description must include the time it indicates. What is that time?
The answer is 2:37
